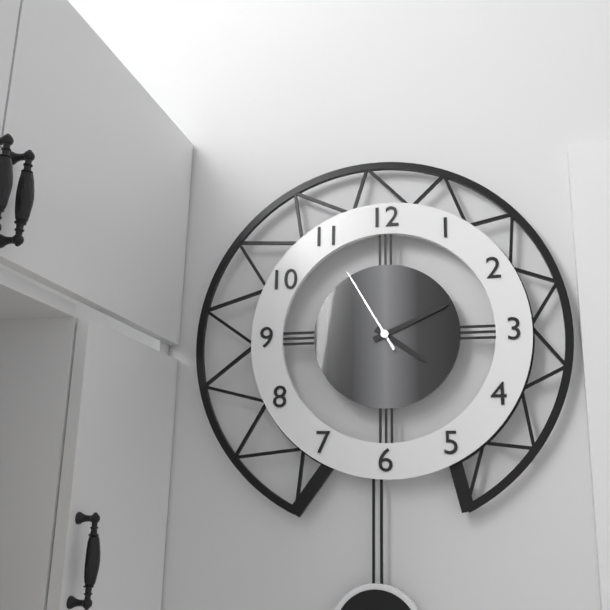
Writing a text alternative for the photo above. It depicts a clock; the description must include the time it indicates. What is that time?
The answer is 4:11:55
